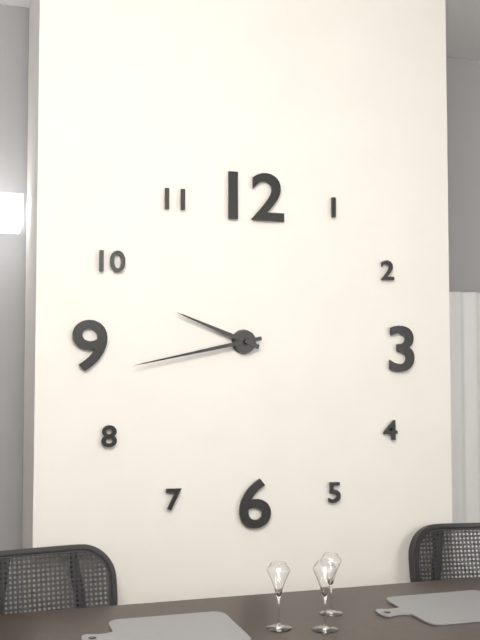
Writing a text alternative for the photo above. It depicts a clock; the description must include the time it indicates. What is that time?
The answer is 9:43
